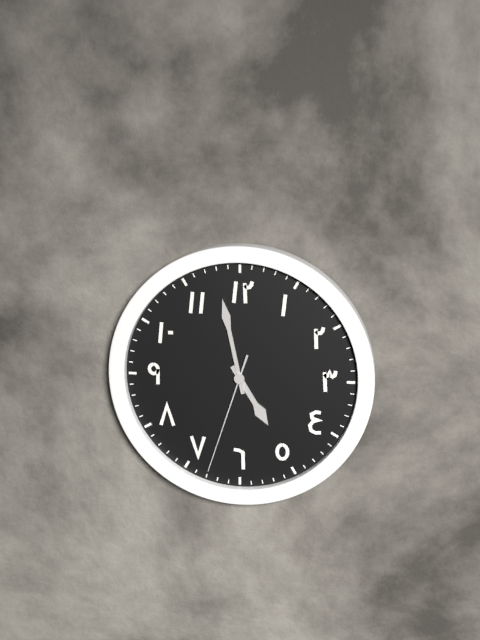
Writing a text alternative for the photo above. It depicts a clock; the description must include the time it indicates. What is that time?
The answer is 4:58:33
